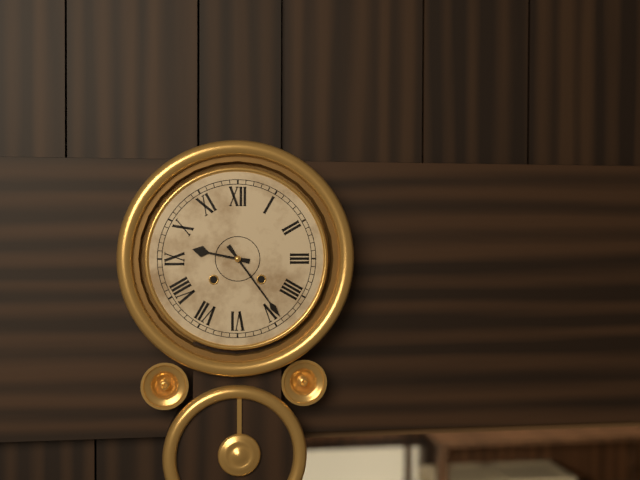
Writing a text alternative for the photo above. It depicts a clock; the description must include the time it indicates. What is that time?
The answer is 9:24
